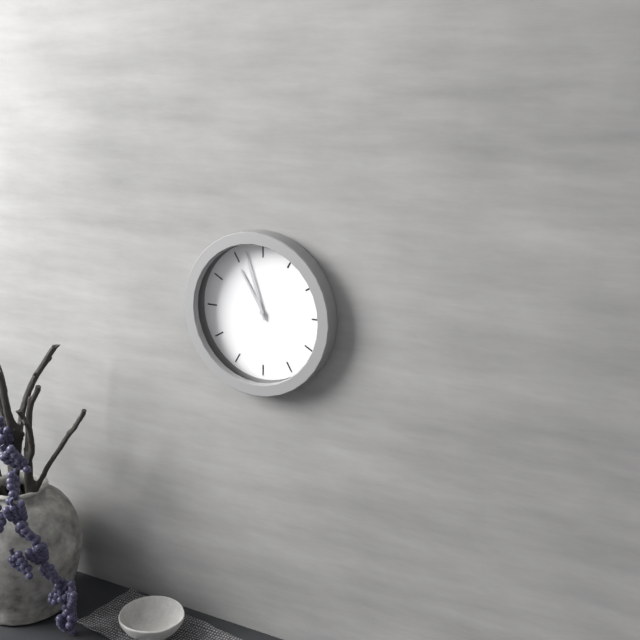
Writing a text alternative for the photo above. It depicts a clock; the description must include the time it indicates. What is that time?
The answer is 10:57
